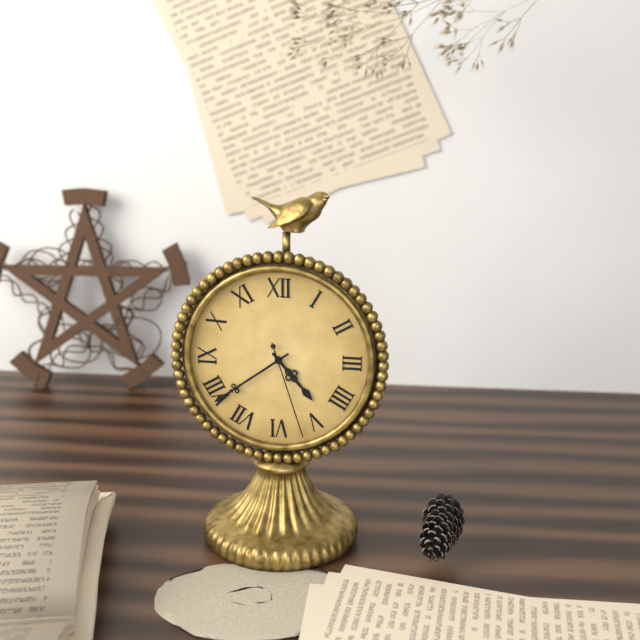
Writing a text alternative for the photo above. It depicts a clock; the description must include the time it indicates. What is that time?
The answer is 4:39:27
